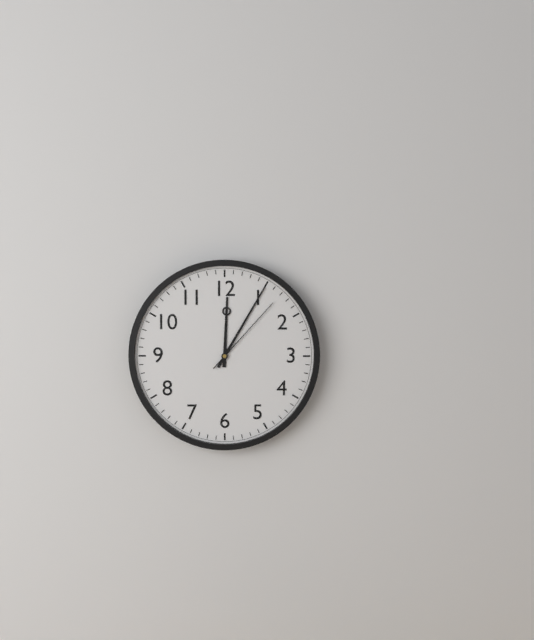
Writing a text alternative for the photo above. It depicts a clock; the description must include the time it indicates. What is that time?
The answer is 12:05:07
